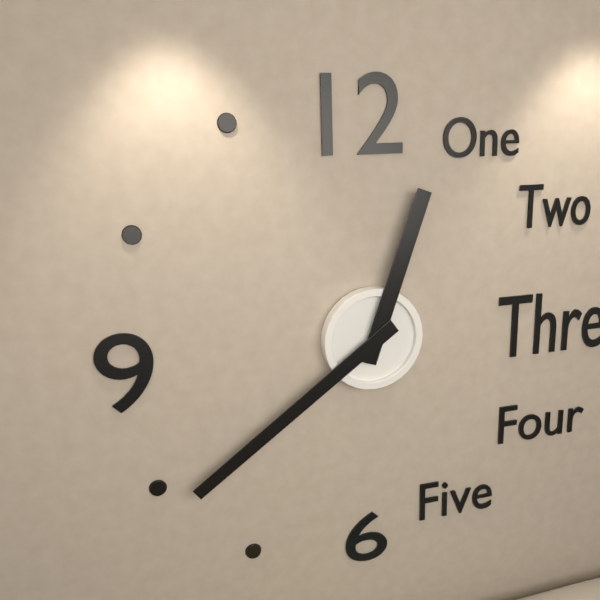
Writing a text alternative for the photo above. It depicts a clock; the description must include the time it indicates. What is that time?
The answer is 12:39
